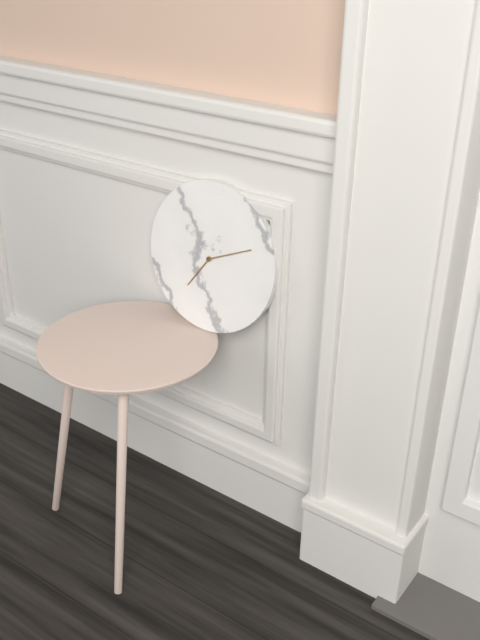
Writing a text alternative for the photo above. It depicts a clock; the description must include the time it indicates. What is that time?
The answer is 7:11
